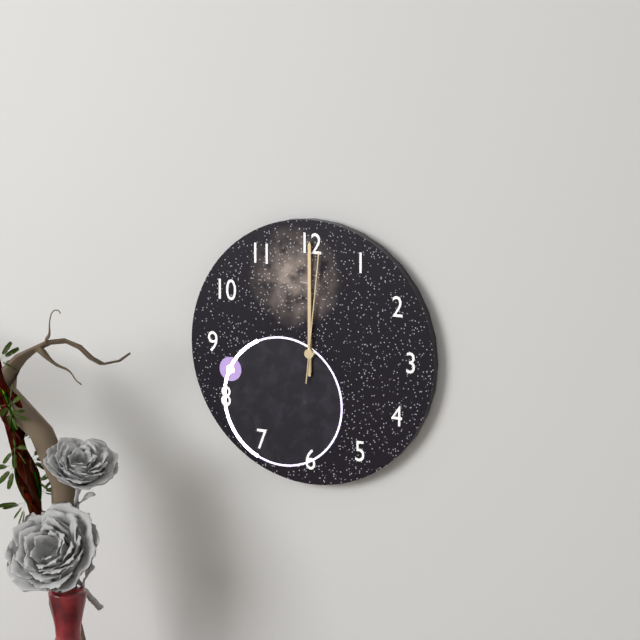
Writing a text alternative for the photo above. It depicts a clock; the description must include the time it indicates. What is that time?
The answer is 12:00:01
